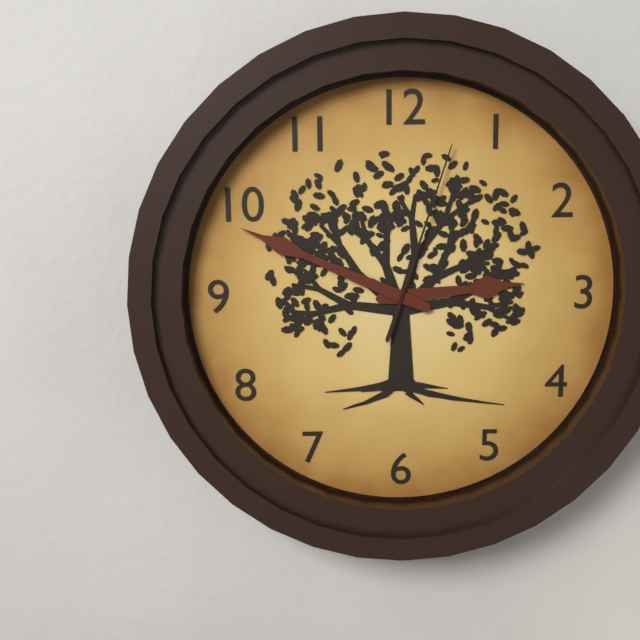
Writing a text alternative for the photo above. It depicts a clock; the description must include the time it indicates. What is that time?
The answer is 2:49:03
